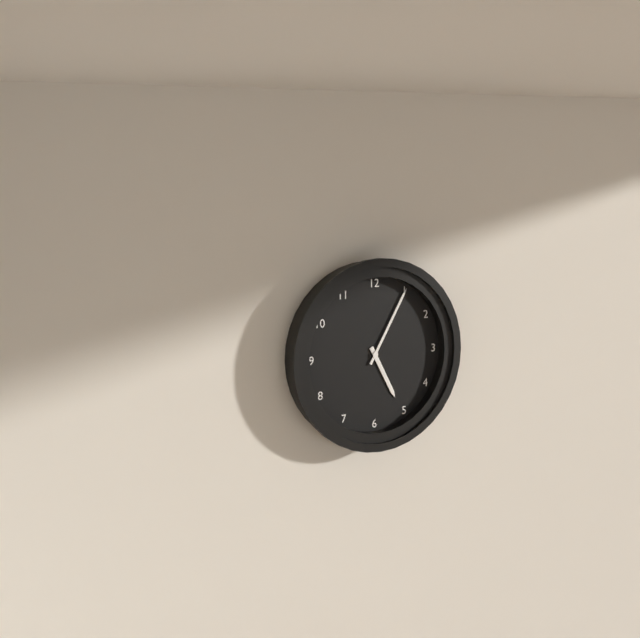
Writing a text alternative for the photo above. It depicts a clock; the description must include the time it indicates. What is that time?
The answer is 5:05
